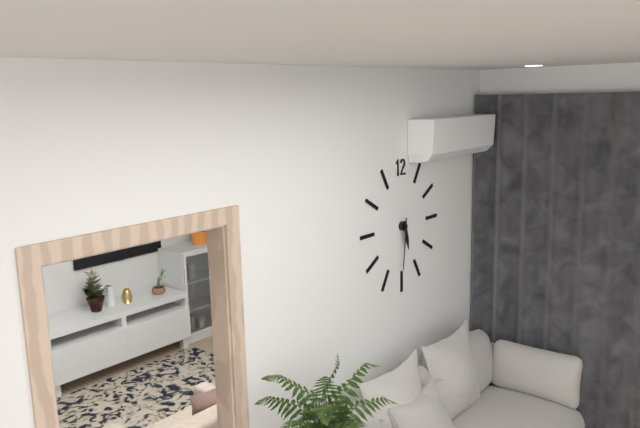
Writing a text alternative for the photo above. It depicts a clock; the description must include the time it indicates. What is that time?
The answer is 5:31
